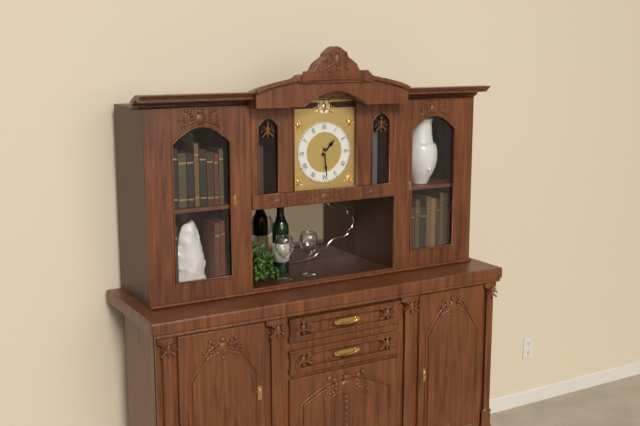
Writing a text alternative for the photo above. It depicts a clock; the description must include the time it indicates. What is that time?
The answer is 1:29
